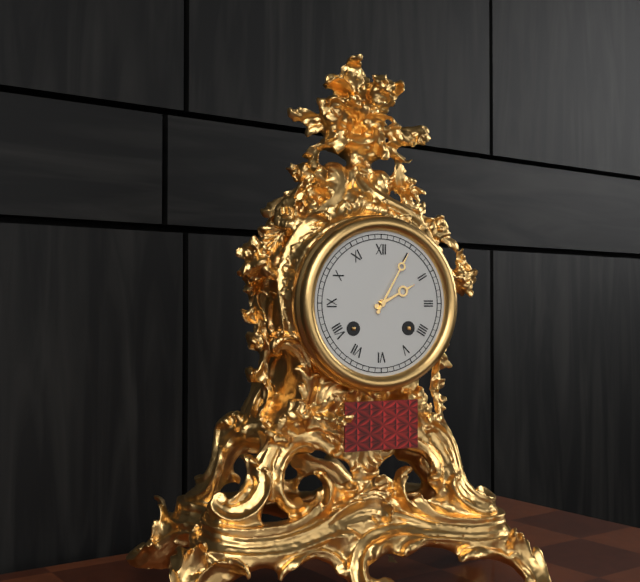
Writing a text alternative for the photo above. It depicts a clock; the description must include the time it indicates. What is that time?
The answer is 2:05
